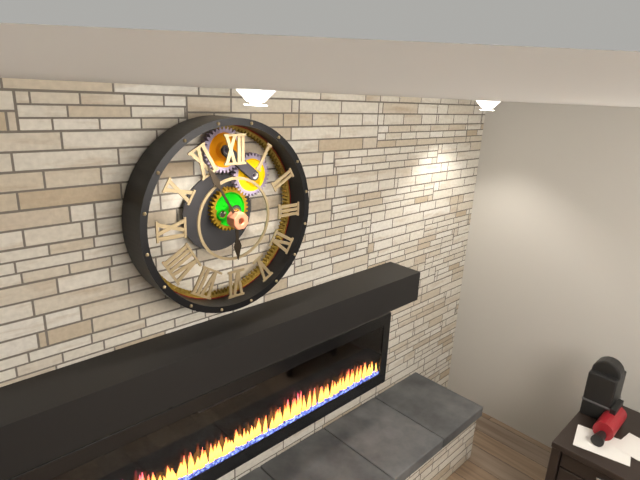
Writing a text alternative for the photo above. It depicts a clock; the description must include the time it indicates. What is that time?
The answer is 5:55
